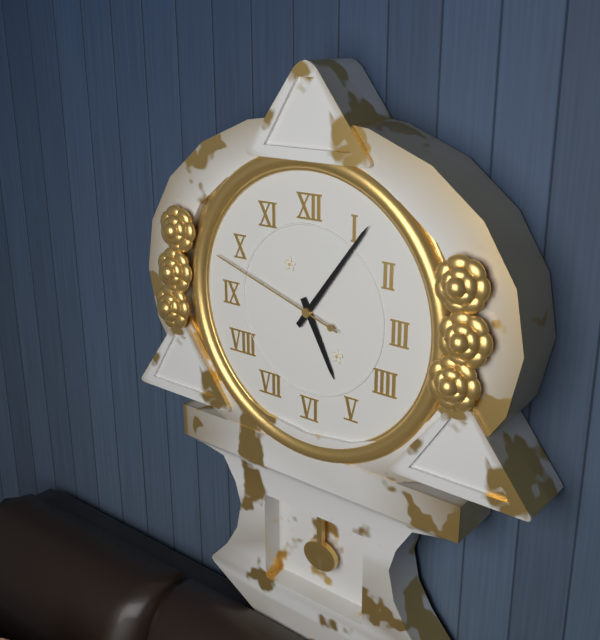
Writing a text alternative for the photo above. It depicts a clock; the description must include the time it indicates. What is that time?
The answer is 5:06:48
